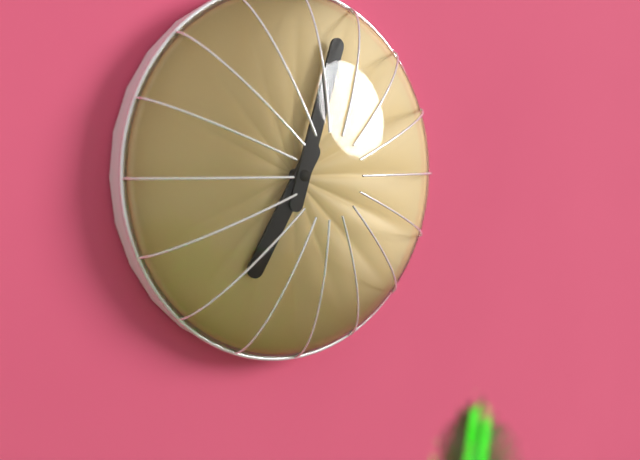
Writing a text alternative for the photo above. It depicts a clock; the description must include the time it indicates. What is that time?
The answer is 7:03
